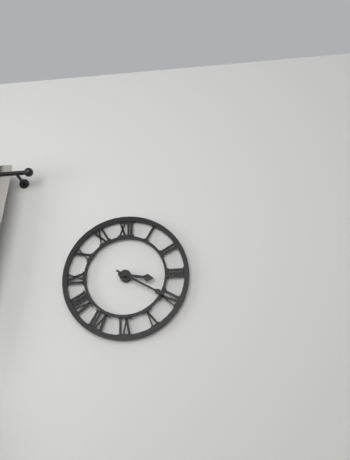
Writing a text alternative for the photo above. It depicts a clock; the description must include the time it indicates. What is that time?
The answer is 3:20
